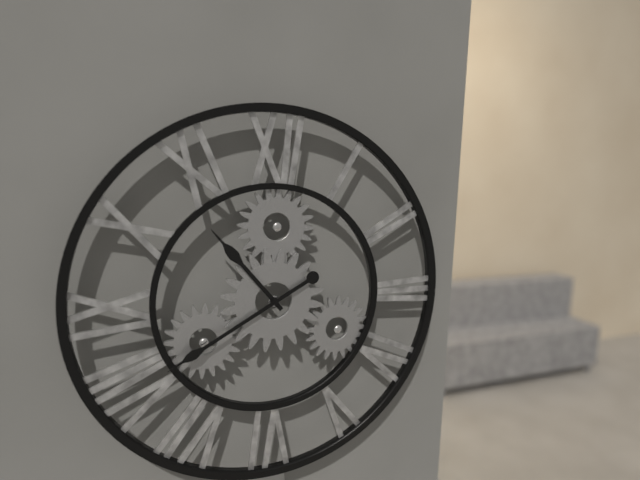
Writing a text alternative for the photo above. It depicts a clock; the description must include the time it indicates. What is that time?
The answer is 10:40
